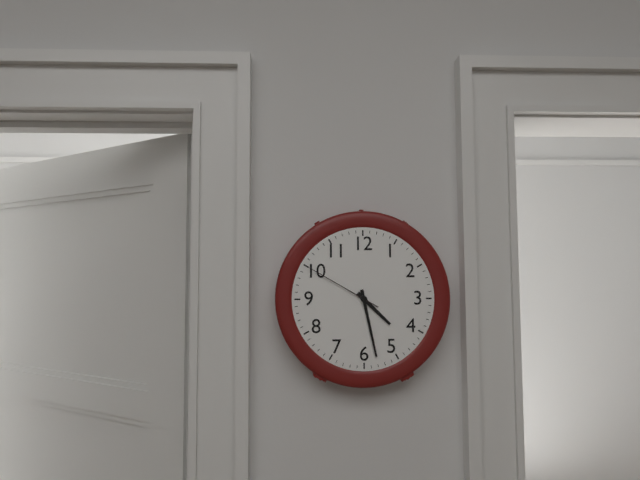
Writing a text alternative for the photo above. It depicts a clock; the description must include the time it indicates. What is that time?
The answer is 4:28:50
